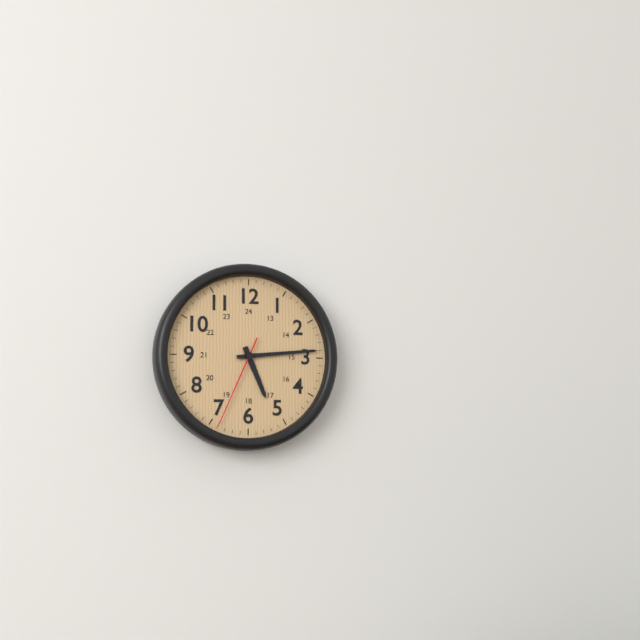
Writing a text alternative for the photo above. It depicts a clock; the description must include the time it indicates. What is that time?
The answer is 5:14:34
